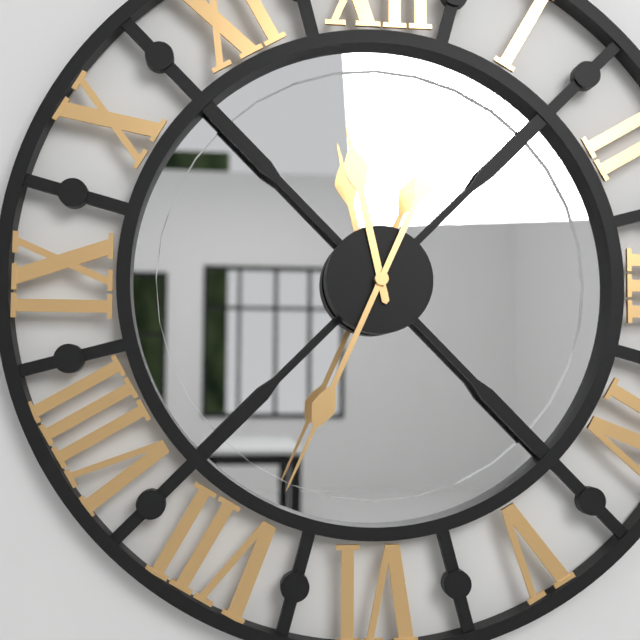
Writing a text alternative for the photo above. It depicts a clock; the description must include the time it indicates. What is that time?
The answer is 11:34
